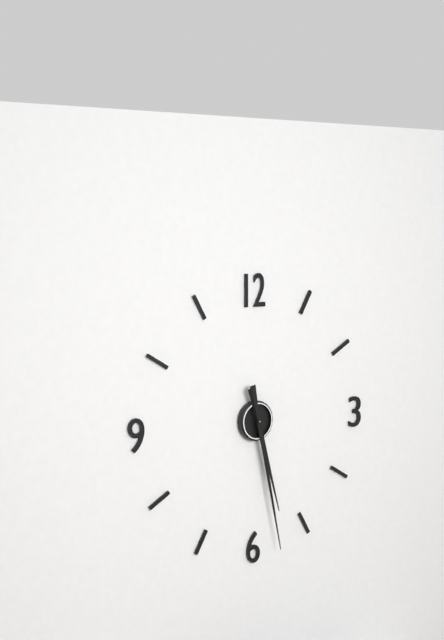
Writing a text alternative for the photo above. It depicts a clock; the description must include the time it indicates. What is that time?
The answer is 5:28
